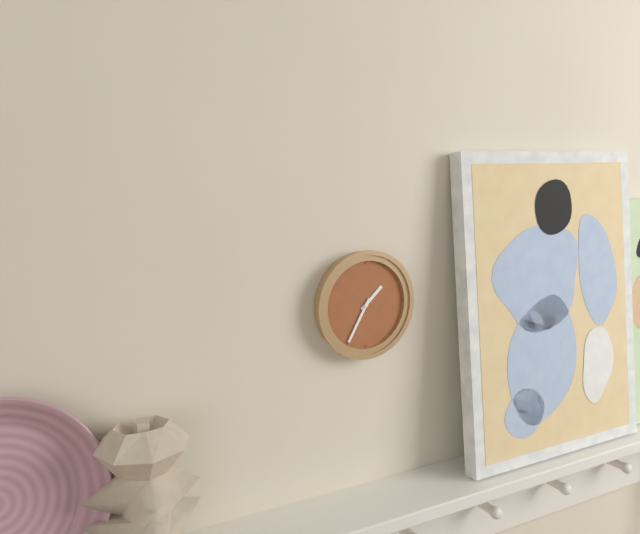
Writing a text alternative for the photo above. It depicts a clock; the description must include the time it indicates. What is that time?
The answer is 1:35
